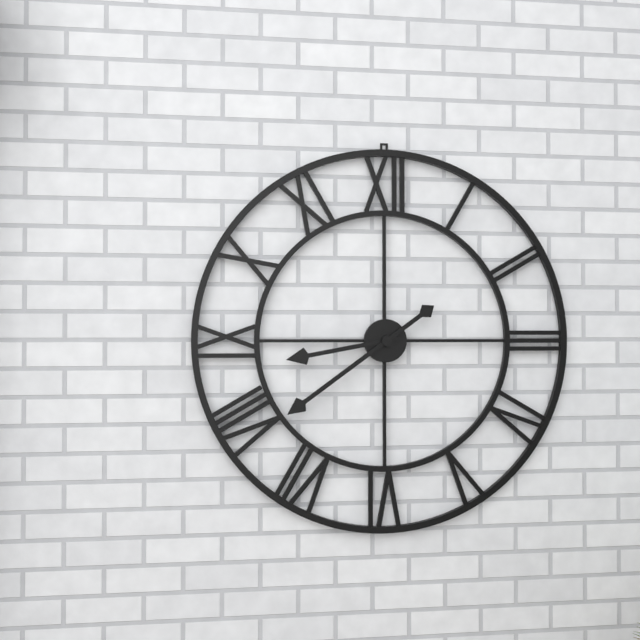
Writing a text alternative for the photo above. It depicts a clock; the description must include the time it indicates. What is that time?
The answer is 8:39
